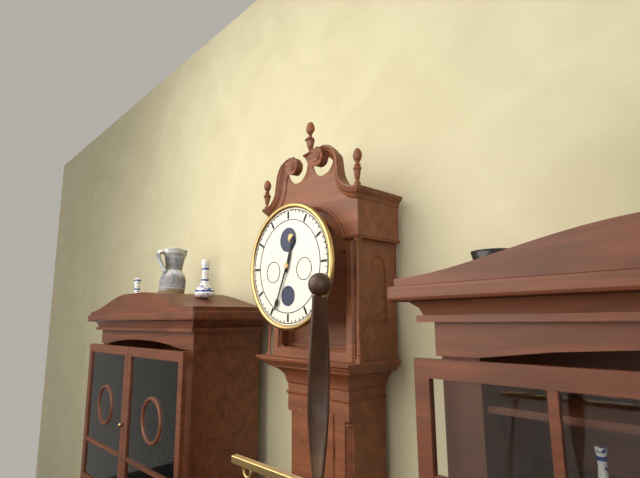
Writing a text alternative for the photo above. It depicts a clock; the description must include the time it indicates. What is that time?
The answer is 12:34
